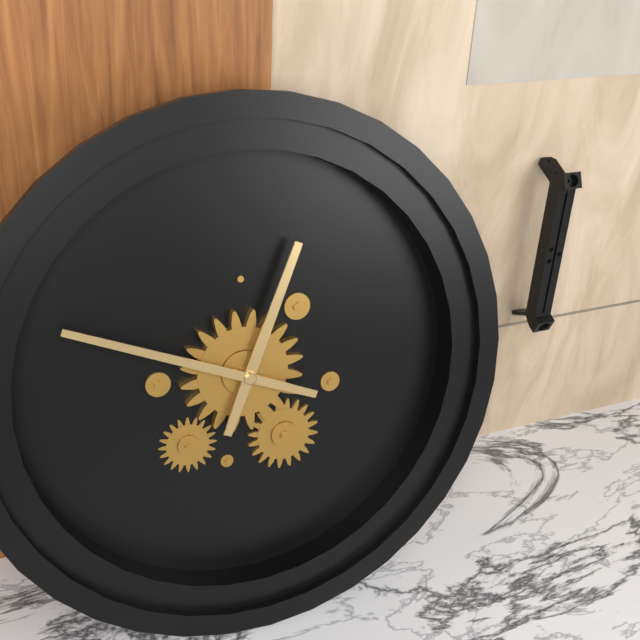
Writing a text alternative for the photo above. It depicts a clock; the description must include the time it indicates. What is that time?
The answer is 12:49
